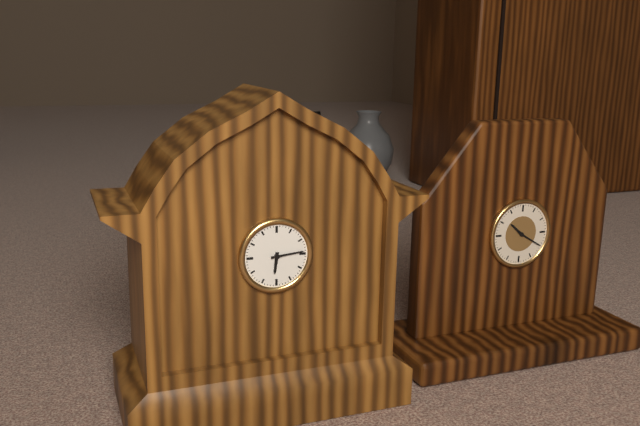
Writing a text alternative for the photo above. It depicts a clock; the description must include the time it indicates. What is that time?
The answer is 6:14
